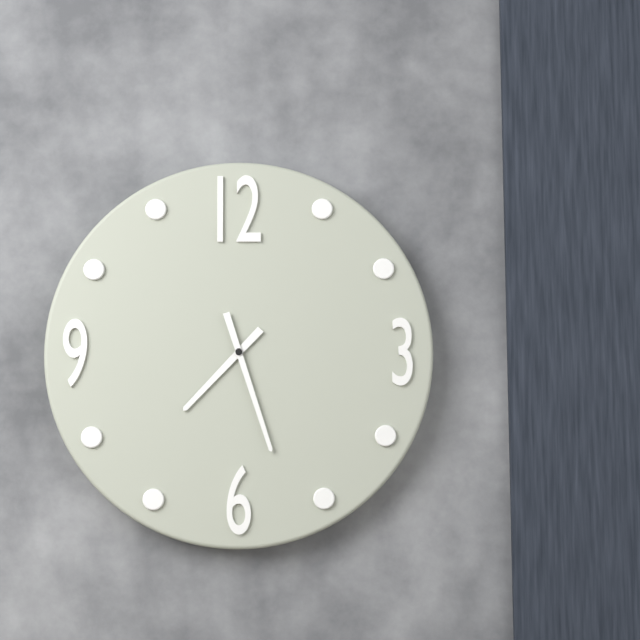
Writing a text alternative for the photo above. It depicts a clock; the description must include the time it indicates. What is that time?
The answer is 7:27
